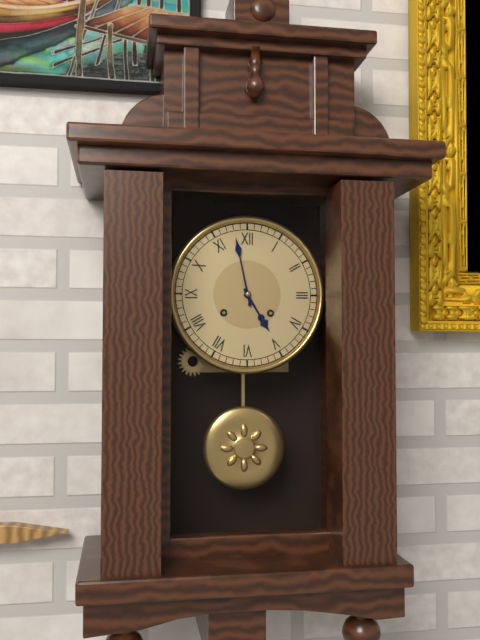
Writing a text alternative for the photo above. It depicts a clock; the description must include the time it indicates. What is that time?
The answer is 4:58
